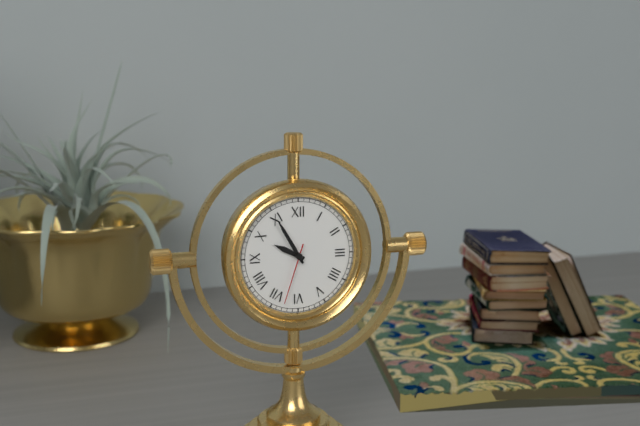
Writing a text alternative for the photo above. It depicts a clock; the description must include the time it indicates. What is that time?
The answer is 9:55:33
